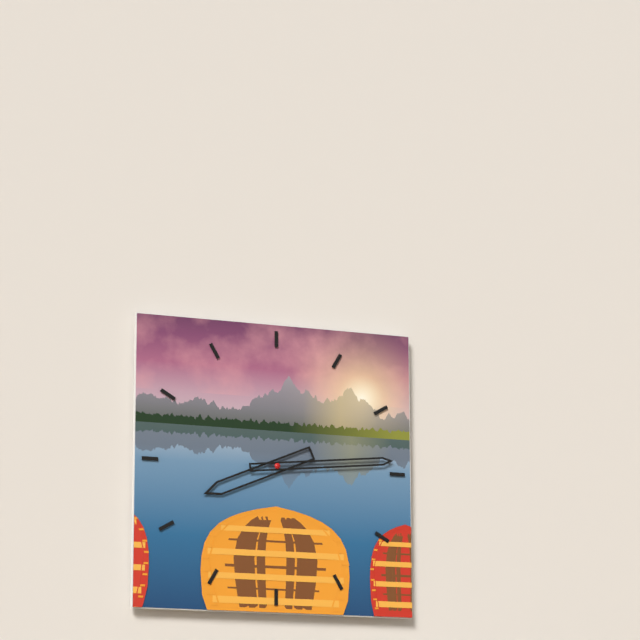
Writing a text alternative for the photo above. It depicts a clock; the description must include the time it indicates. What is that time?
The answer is 8:14
